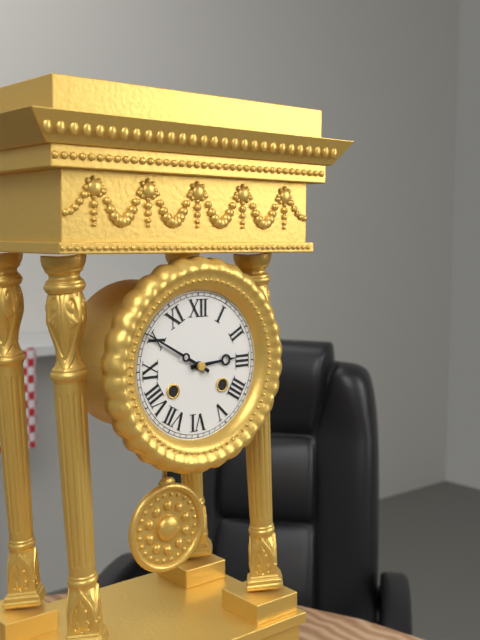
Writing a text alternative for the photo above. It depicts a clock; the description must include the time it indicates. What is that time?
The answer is 2:50
